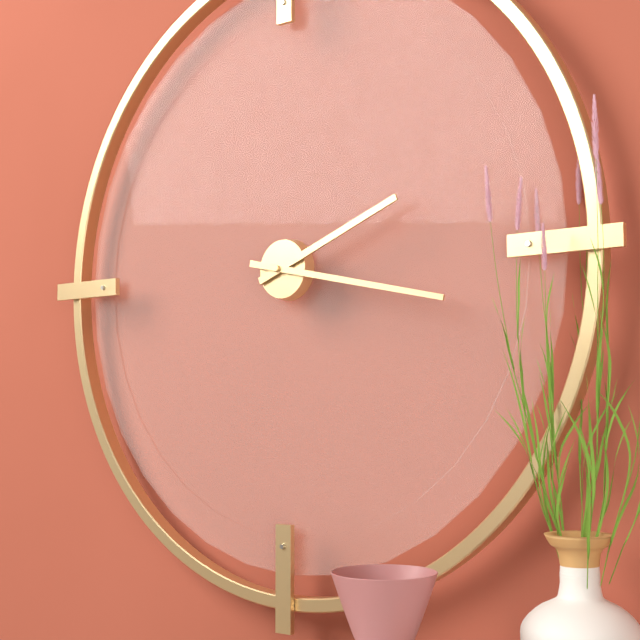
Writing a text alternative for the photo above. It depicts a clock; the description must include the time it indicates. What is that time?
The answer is 2:17
